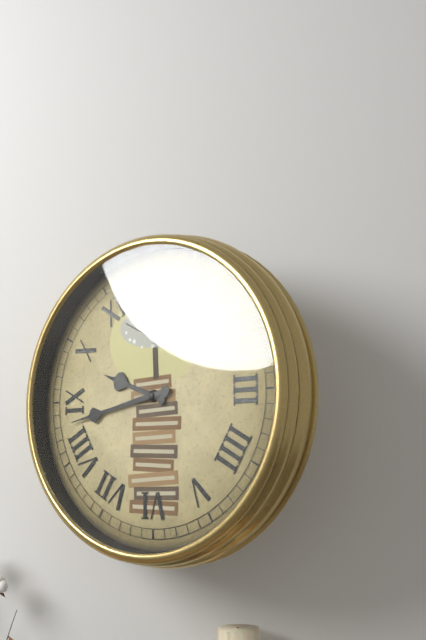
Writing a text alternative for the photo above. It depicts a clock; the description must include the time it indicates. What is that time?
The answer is 9:43
